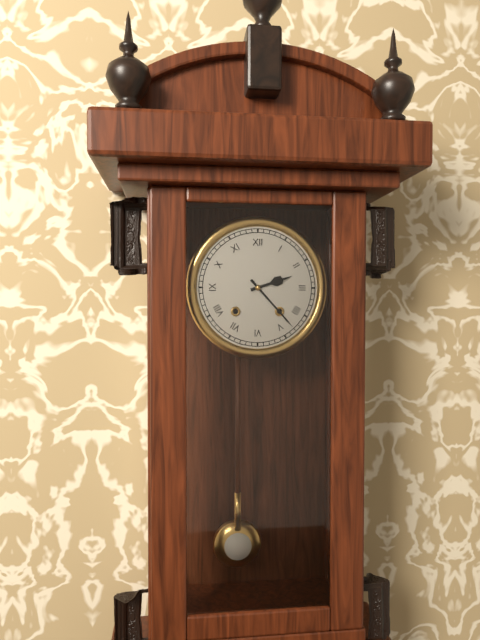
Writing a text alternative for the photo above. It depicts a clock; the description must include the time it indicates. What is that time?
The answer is 2:23
